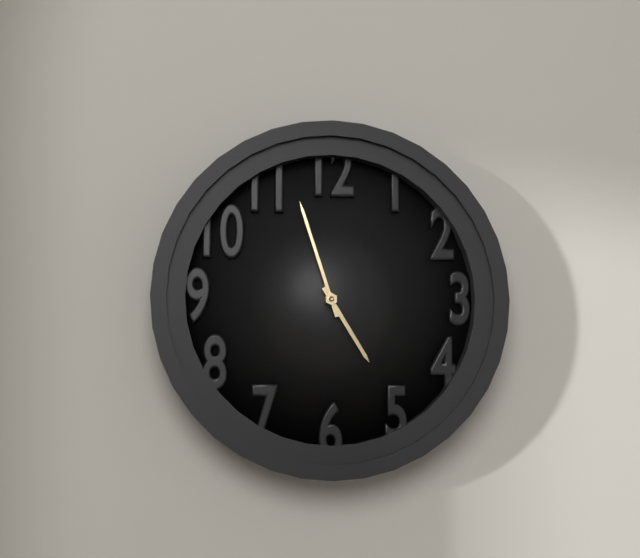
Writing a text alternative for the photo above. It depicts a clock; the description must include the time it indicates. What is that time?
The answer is 4:57
